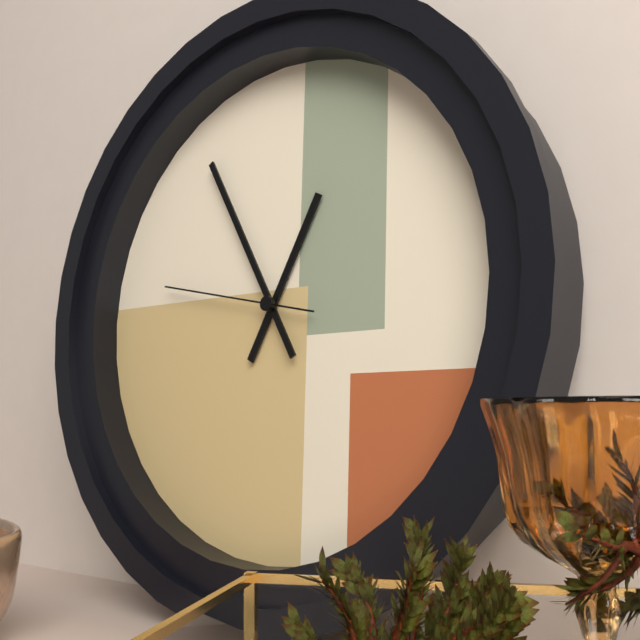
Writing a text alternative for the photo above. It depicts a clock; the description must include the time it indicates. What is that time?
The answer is 12:55:47
